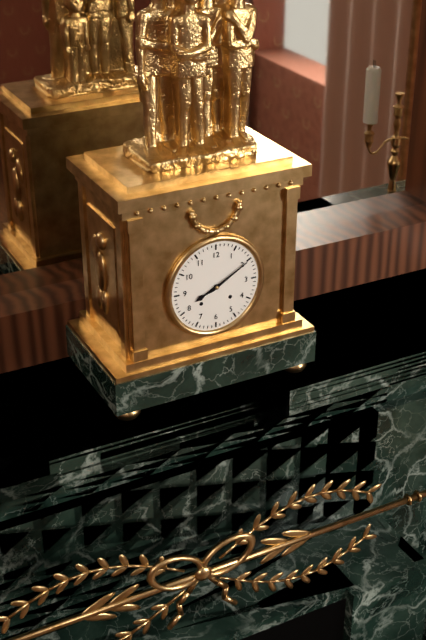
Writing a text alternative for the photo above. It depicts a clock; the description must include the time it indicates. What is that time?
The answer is 8:10
